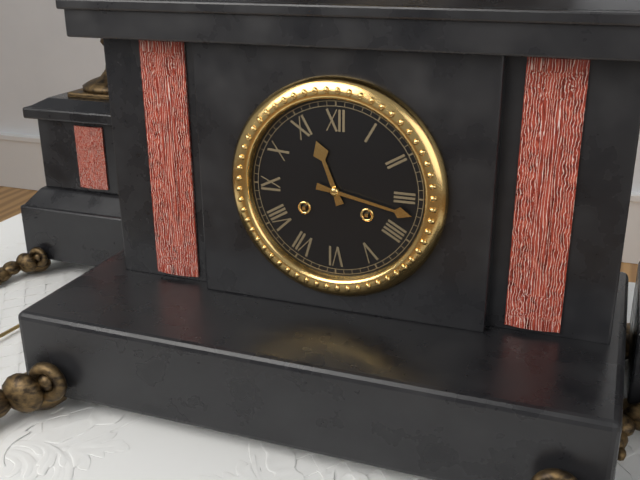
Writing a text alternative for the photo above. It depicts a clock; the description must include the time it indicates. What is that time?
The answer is 11:17
